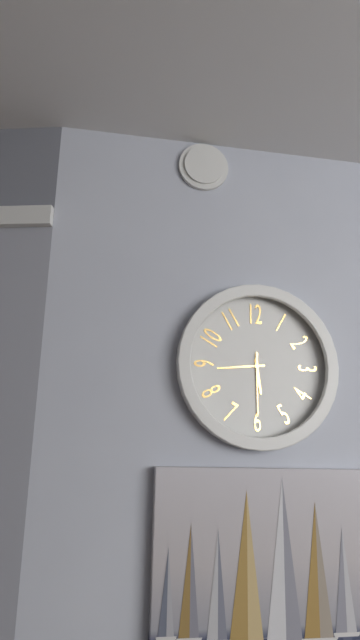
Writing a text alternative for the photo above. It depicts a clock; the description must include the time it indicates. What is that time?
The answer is 5:44:30
